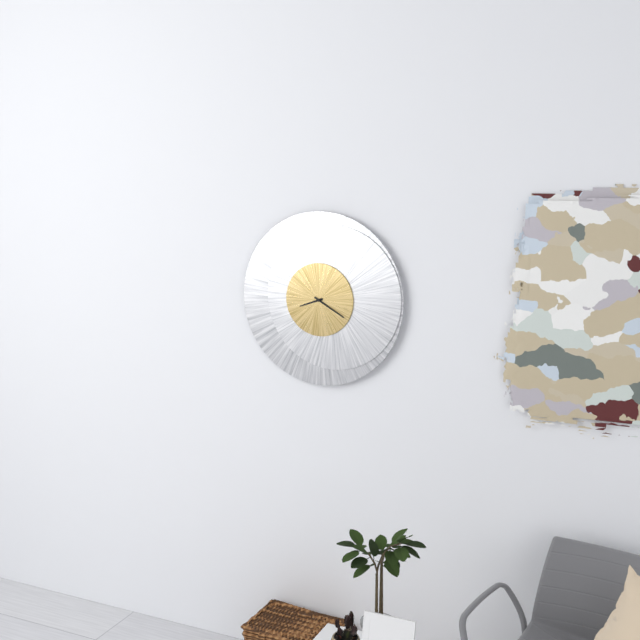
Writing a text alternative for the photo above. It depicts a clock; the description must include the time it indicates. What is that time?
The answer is 8:20
